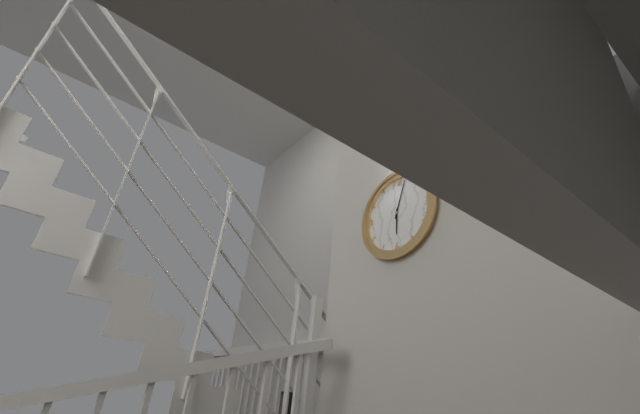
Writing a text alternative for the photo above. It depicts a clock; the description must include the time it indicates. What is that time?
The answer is 6:03
